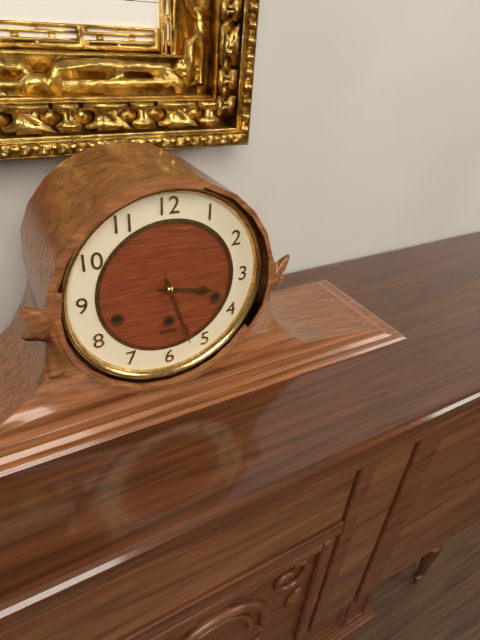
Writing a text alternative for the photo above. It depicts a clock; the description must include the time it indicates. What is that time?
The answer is 3:27
